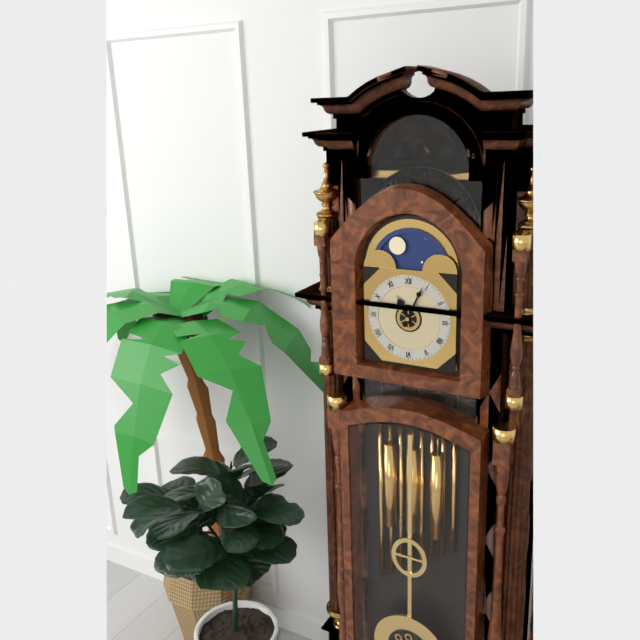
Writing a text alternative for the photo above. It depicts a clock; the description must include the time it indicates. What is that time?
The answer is 11:04
